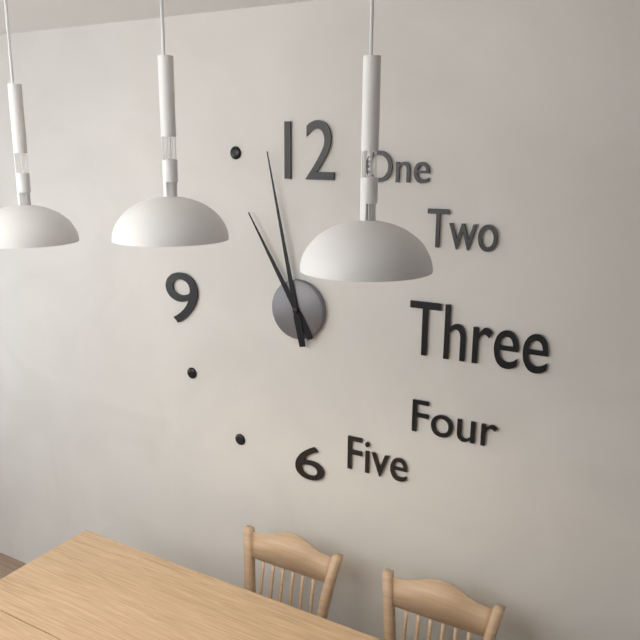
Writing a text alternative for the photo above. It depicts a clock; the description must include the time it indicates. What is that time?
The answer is 10:58
